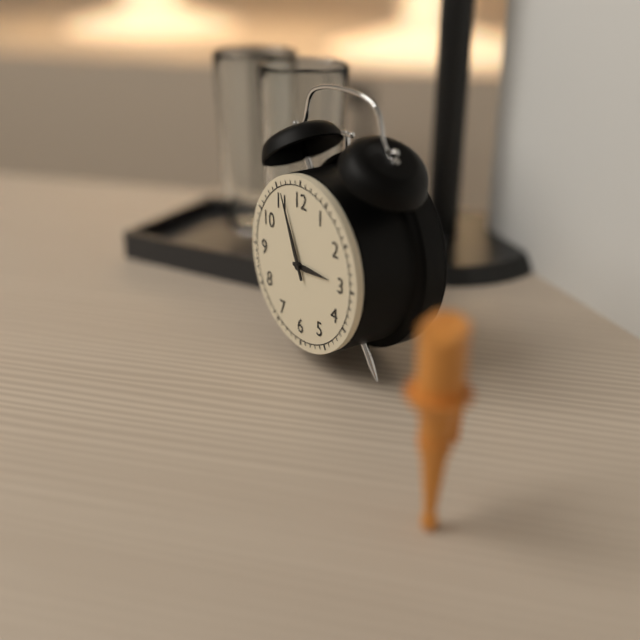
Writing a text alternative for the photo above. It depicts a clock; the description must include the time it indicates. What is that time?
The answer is 2:56
